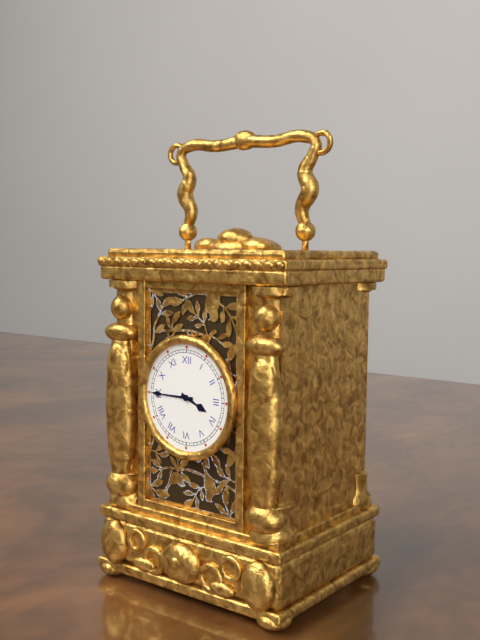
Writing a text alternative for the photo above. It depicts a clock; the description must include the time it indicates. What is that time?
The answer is 3:45
